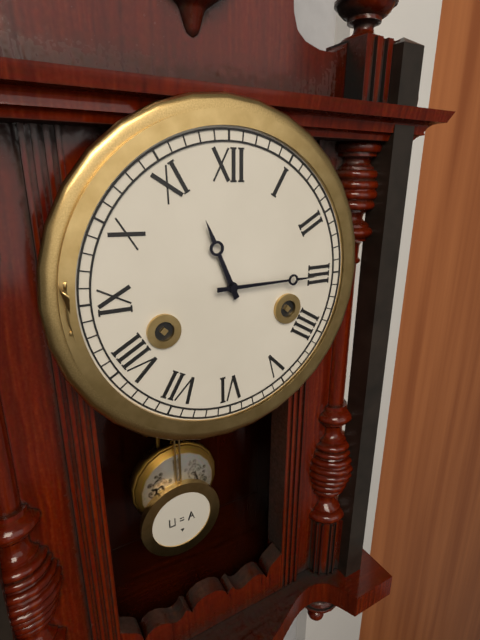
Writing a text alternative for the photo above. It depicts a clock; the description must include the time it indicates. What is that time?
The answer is 11:15
